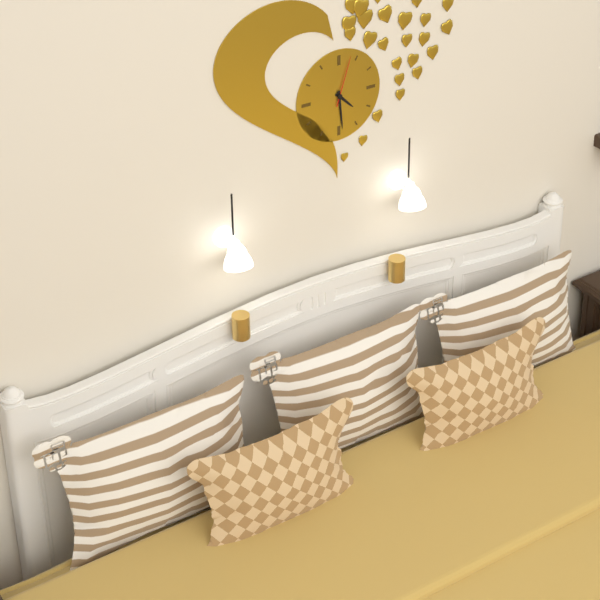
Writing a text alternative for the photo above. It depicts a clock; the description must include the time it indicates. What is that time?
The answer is 4:29:03
